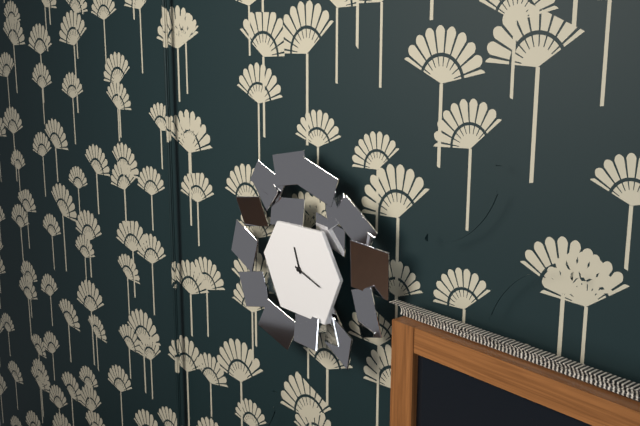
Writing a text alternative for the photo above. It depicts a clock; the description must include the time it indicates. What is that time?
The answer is 11:18
